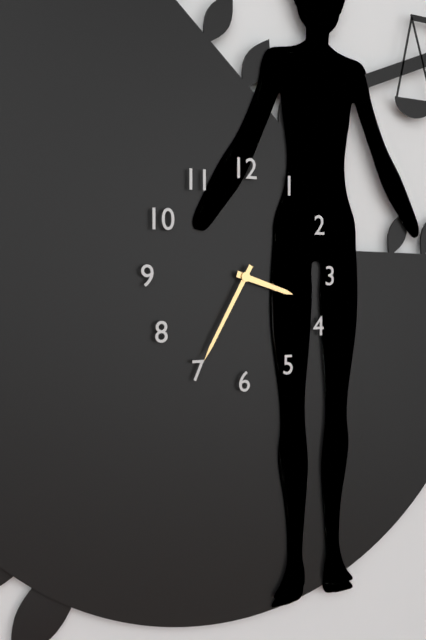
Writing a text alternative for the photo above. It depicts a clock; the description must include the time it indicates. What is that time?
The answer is 3:35
